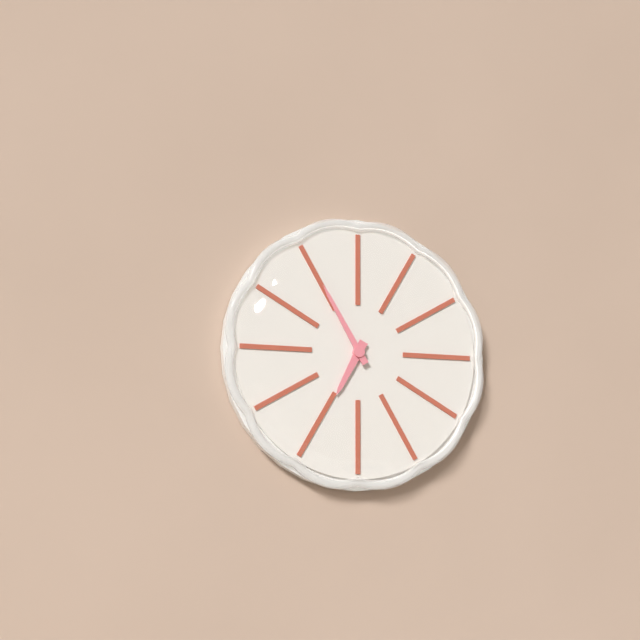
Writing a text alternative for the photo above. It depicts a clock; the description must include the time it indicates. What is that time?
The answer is 6:55
